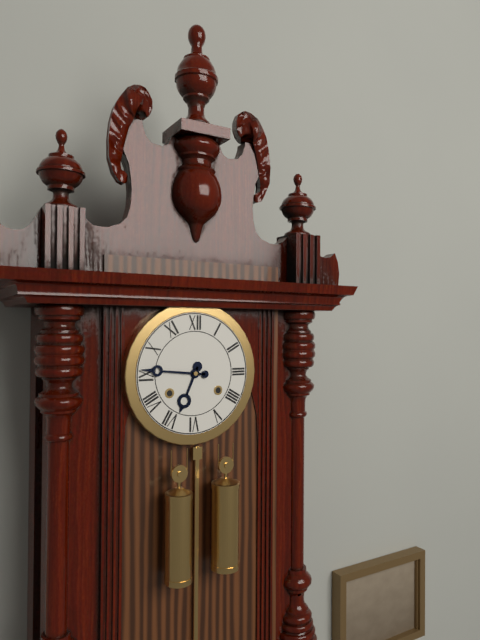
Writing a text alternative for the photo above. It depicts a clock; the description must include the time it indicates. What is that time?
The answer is 6:46
